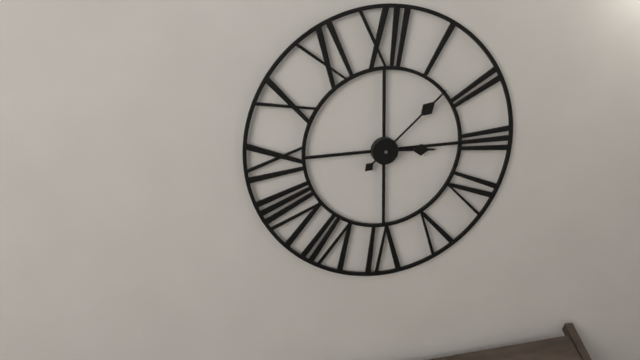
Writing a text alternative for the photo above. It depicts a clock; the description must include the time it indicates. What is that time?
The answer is 3:08
